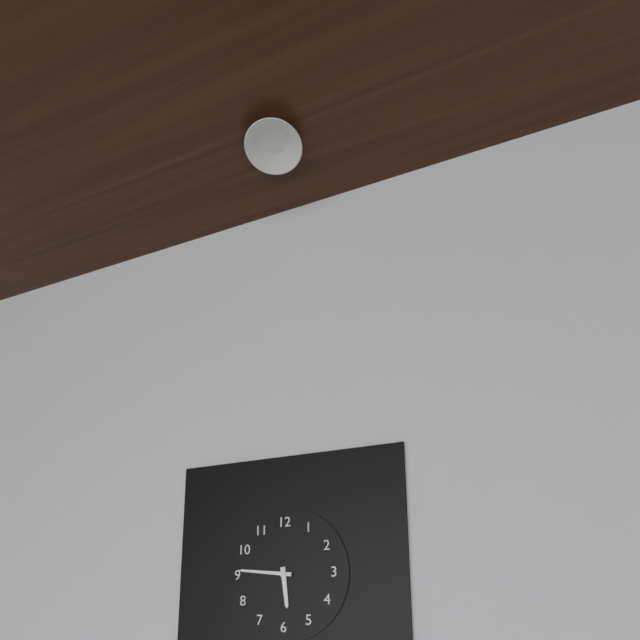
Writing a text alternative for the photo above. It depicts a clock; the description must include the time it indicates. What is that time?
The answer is 5:46
